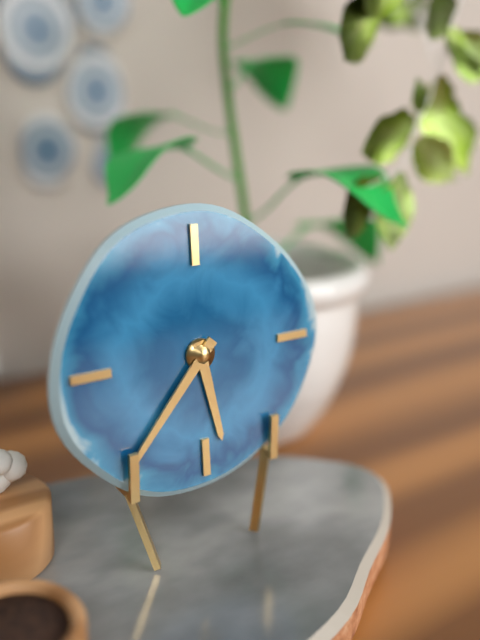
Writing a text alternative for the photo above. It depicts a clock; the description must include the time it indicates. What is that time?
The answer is 5:37
